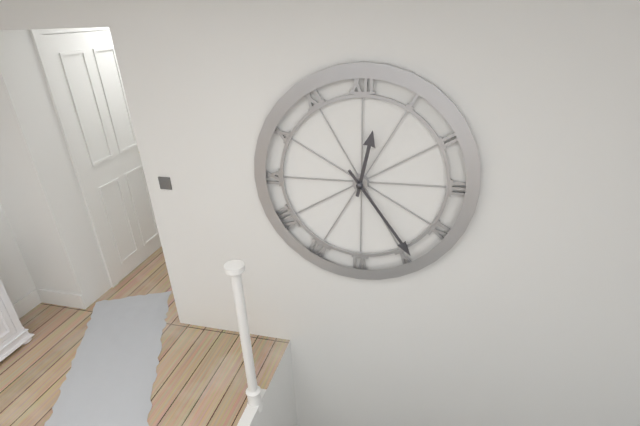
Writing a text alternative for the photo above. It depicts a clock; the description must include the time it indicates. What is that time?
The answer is 12:24
